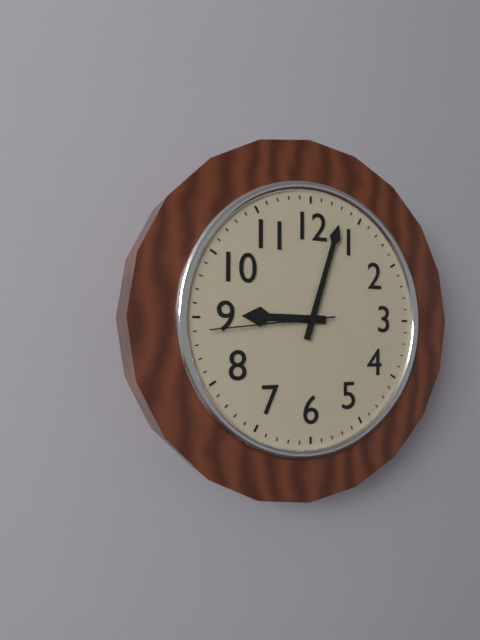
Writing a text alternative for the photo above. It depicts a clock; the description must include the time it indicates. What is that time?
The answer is 9:03:44
